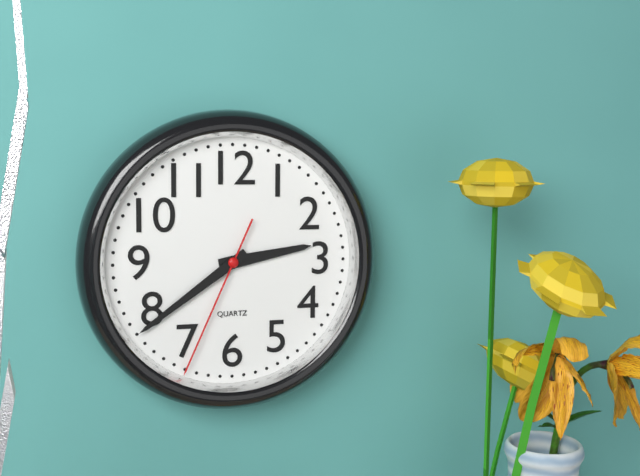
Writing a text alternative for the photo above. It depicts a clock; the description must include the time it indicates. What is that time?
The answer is 2:39:34
